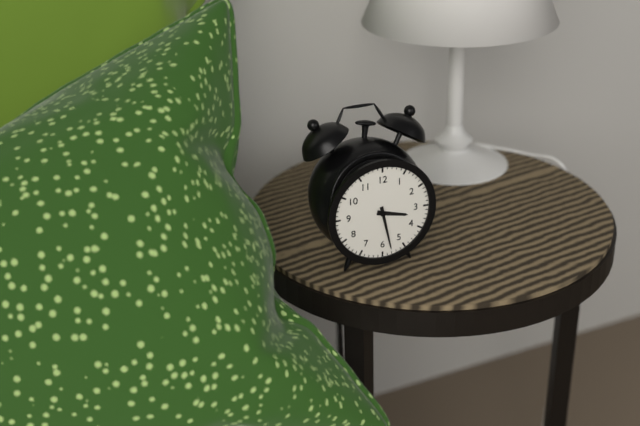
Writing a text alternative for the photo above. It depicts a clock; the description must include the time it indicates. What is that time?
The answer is 3:28
